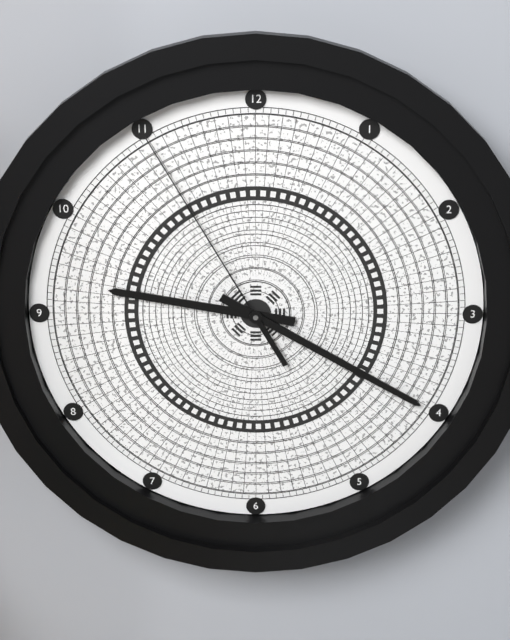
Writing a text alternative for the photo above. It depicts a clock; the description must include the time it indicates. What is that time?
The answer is 9:20:55
